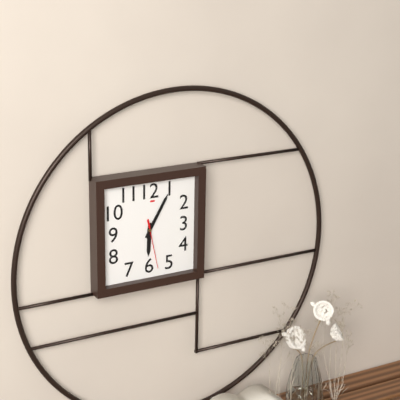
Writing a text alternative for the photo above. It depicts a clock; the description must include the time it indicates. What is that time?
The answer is 6:05
